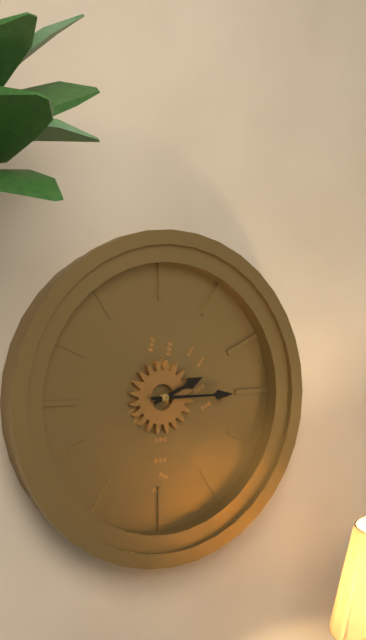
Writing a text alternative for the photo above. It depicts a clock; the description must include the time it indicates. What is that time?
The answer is 2:15
